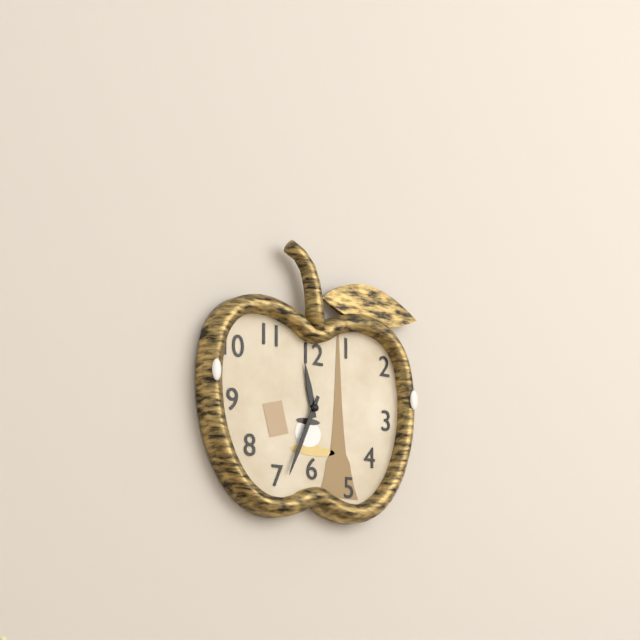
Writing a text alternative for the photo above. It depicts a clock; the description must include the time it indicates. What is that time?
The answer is 11:34
